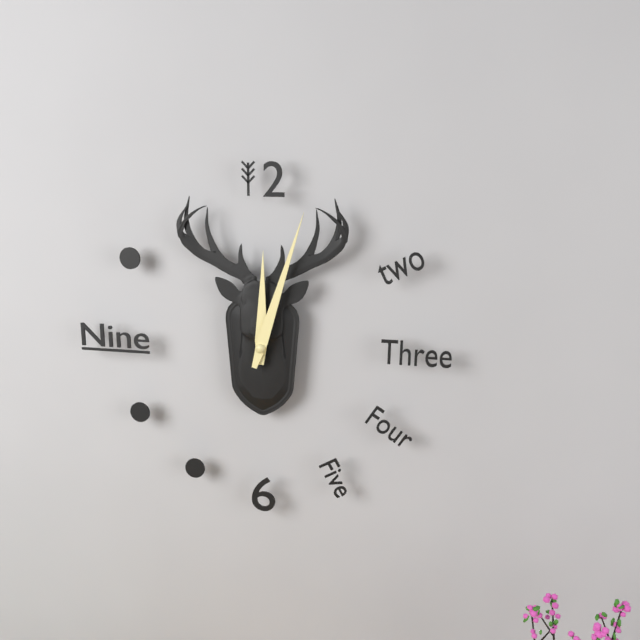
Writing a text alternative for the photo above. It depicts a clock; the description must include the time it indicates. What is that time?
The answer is 12:03
